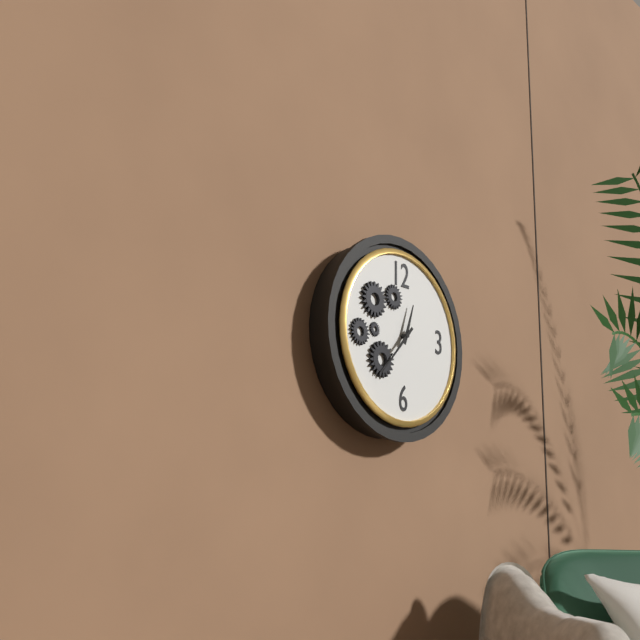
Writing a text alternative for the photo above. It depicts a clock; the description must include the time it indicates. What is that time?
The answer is 12:37
